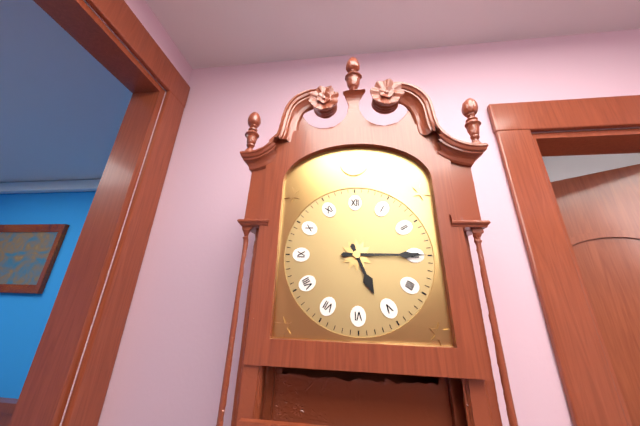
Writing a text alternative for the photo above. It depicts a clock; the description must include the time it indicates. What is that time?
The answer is 5:15
